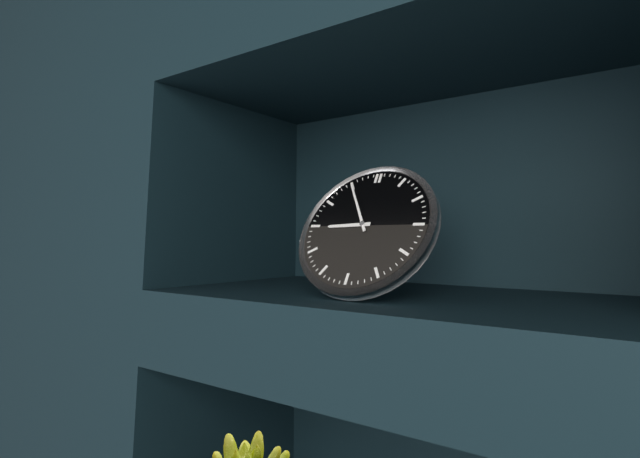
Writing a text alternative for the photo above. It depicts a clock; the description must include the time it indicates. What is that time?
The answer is 8:55
